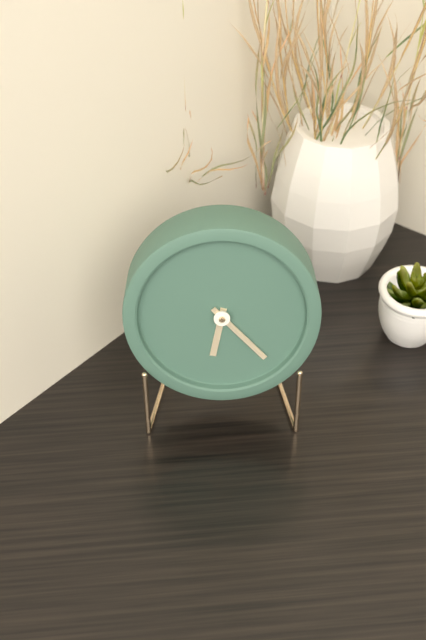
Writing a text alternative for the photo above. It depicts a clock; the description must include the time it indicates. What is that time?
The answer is 6:23
